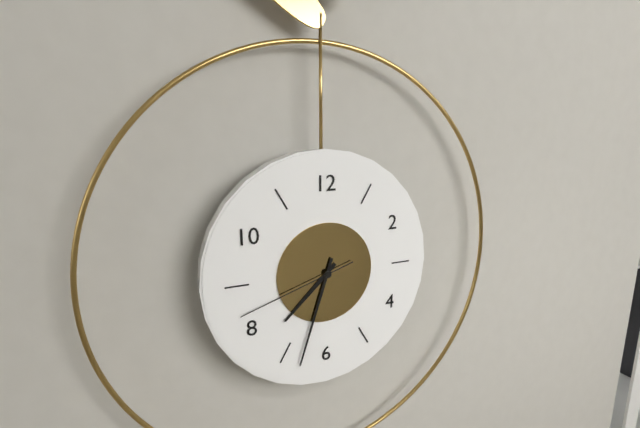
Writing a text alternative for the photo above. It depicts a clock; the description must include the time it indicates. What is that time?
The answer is 7:33:42
